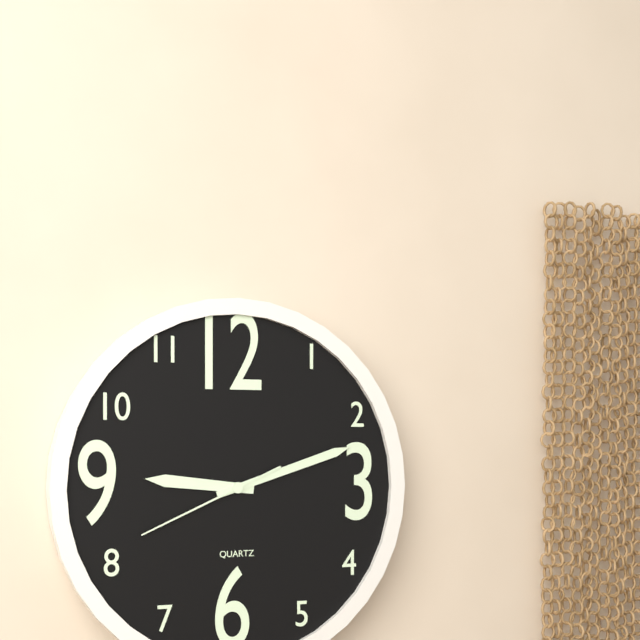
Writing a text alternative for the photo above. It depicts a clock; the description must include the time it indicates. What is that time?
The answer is 9:12:41
